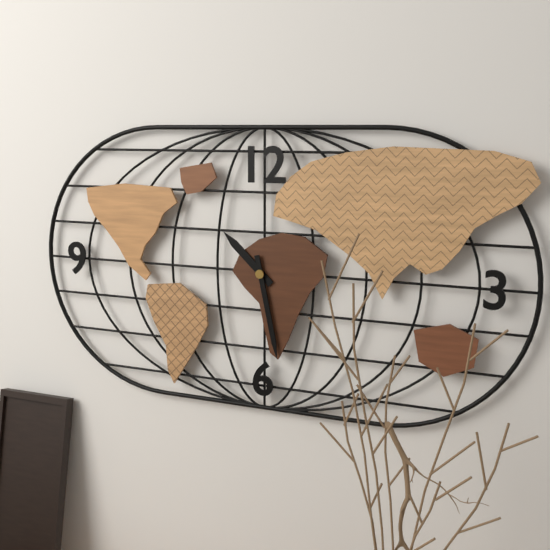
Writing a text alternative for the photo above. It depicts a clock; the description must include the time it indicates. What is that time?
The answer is 10:28
